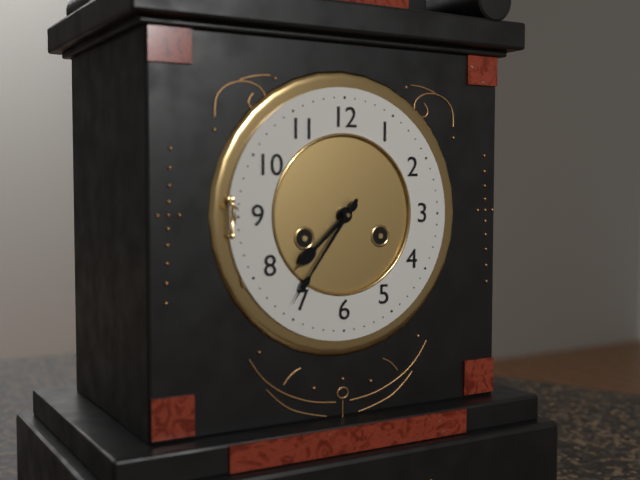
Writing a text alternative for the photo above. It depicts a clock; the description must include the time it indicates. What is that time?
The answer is 7:36
